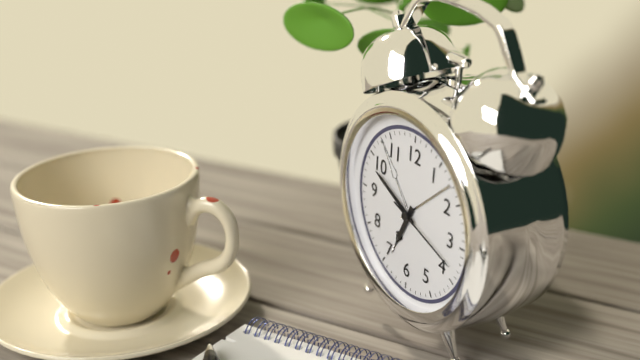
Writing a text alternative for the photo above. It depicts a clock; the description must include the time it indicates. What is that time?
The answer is 6:49:18
